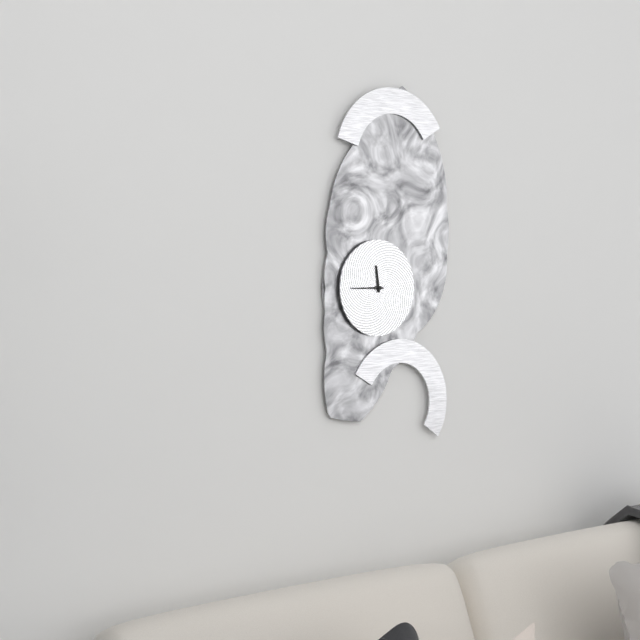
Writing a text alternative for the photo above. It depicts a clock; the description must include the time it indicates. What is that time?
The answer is 11:45
